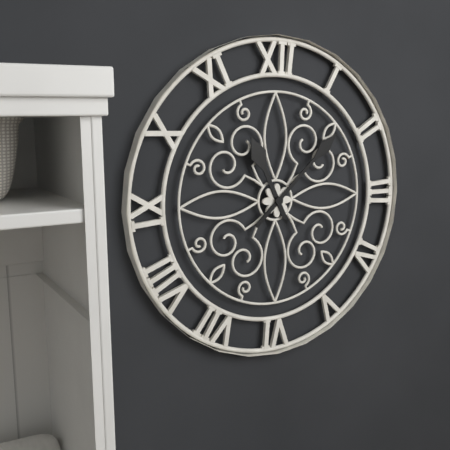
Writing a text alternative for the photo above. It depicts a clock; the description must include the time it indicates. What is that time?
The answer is 11:08
